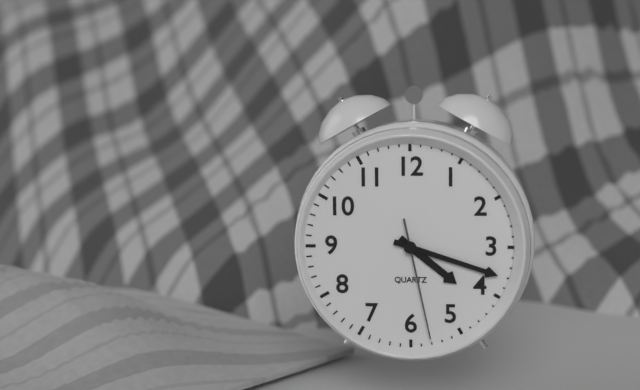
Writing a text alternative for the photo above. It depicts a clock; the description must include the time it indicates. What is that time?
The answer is 4:18:28
